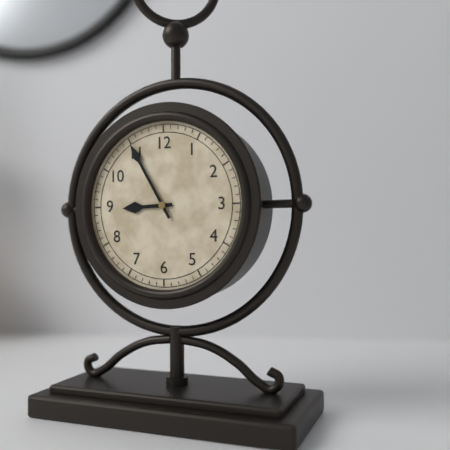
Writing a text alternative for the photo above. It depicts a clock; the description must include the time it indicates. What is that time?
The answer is 8:55
